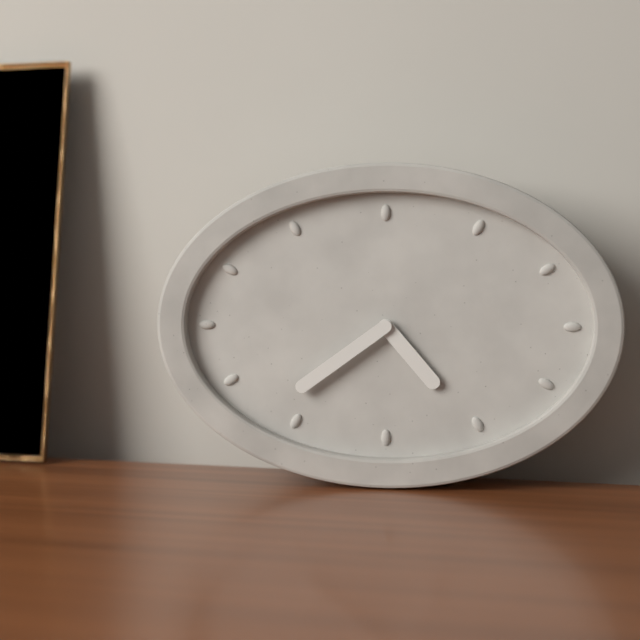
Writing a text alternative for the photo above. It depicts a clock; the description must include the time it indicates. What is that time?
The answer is 4:39
